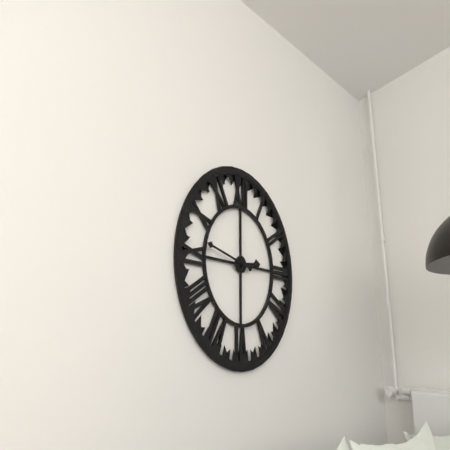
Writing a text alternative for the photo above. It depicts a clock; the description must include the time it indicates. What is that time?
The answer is 2:47
